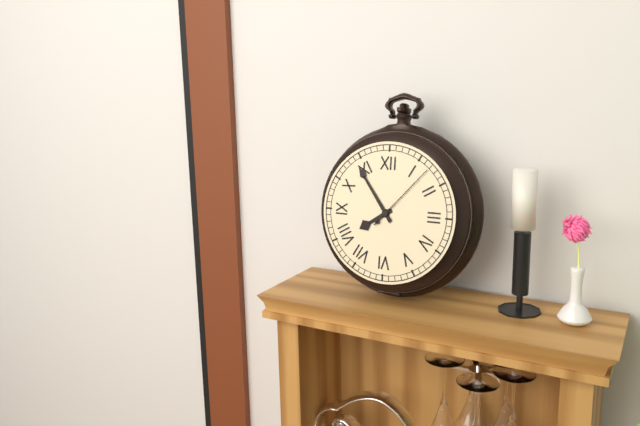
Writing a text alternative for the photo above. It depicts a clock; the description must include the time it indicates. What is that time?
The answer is 7:54:07
